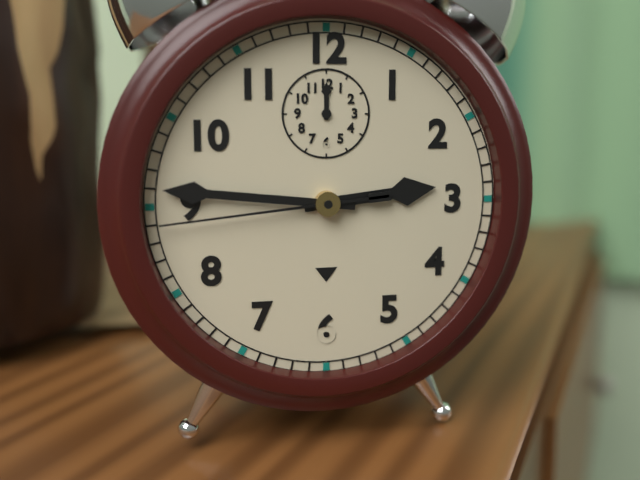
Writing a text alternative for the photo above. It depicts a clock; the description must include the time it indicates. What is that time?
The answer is 2:46:44
